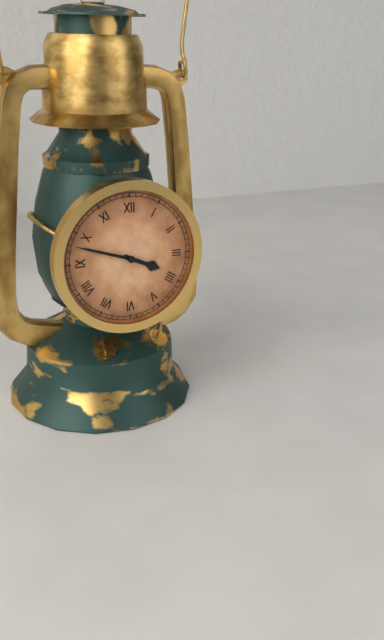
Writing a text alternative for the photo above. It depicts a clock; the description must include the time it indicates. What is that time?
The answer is 3:48
